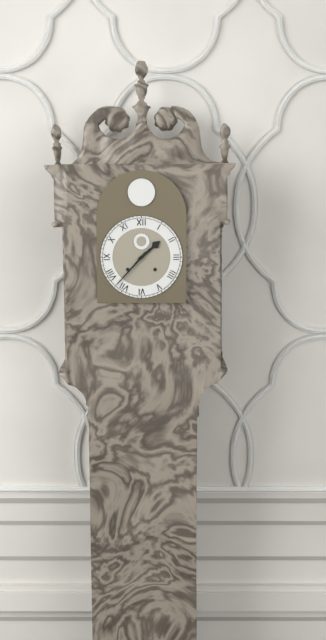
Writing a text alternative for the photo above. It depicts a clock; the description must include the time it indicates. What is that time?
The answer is 1:37
